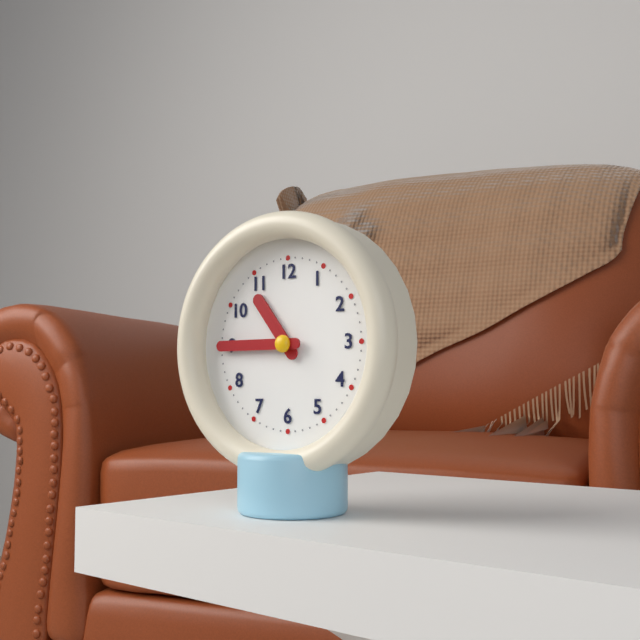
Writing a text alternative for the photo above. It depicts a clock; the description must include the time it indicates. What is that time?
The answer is 10:45
